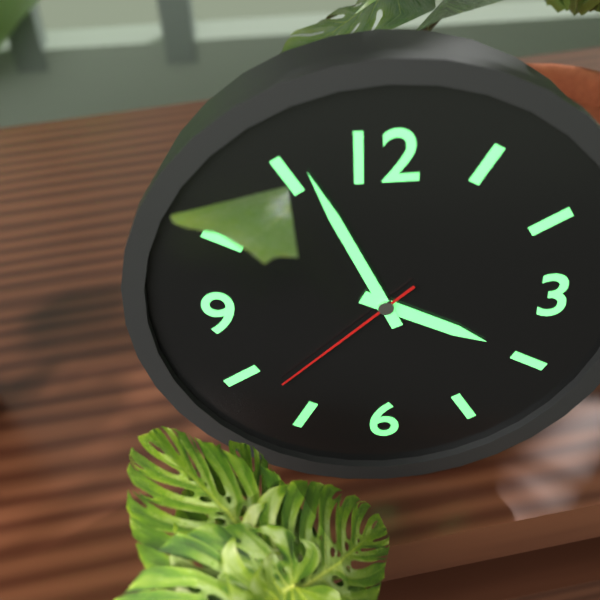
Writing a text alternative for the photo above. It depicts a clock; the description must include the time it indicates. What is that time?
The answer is 3:56:38
